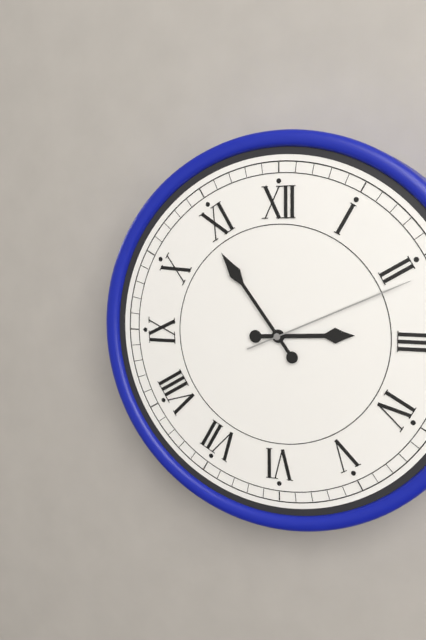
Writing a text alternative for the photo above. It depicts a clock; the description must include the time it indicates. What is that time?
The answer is 2:54:11
